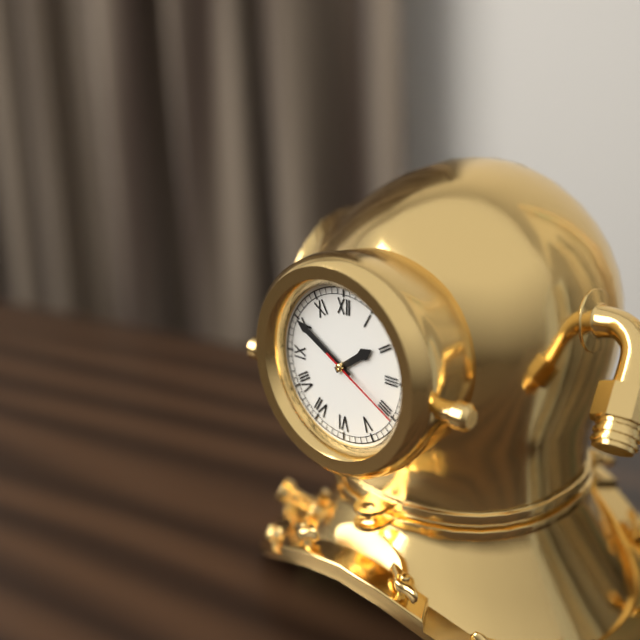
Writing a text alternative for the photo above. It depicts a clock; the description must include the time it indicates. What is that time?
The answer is 1:50:20
